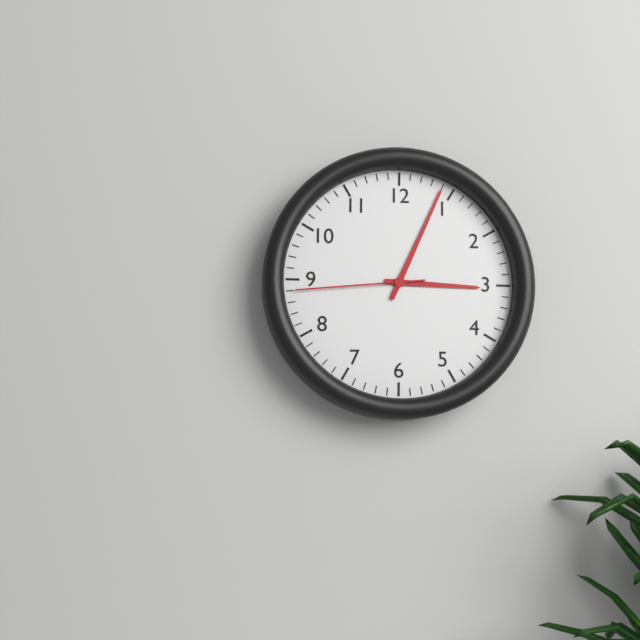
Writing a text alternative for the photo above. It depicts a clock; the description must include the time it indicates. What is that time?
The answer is 3:04:44
